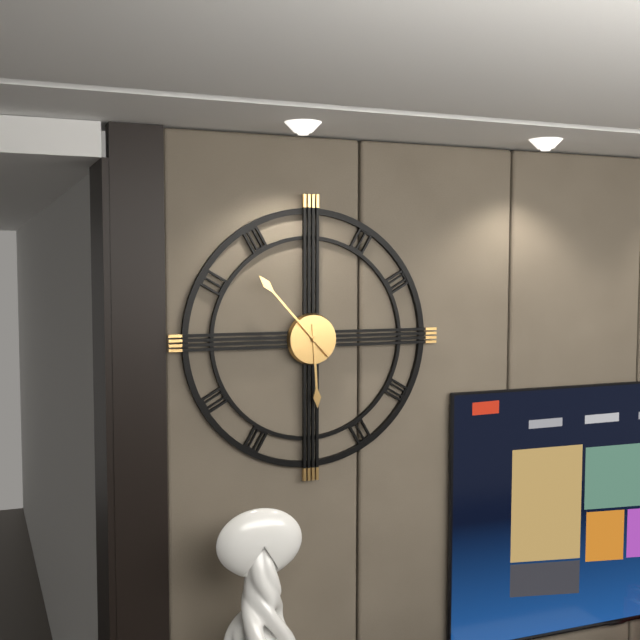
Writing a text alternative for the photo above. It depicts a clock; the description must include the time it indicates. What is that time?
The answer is 5:53
